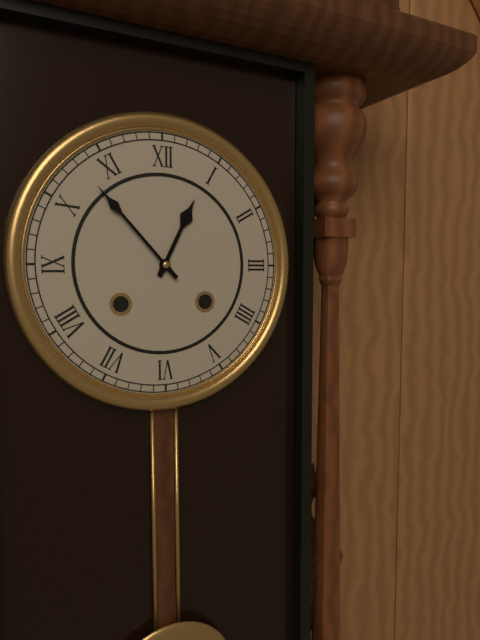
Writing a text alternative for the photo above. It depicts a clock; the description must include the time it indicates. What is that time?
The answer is 12:53
